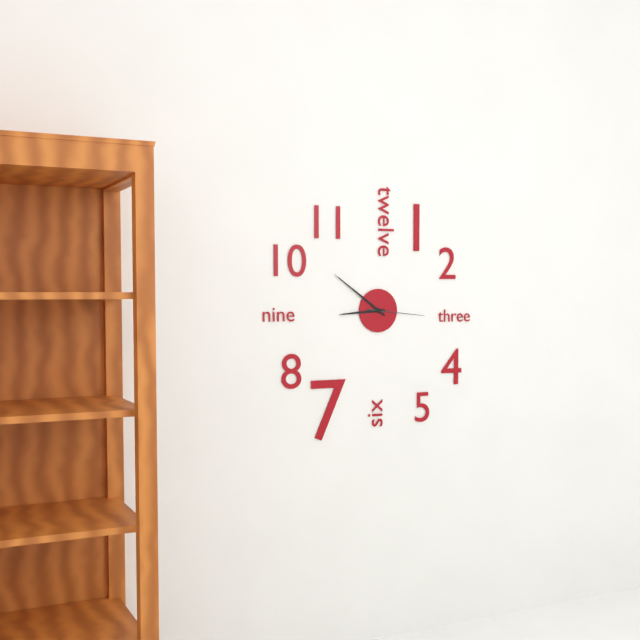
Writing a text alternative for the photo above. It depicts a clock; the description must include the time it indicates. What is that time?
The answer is 8:51:16
